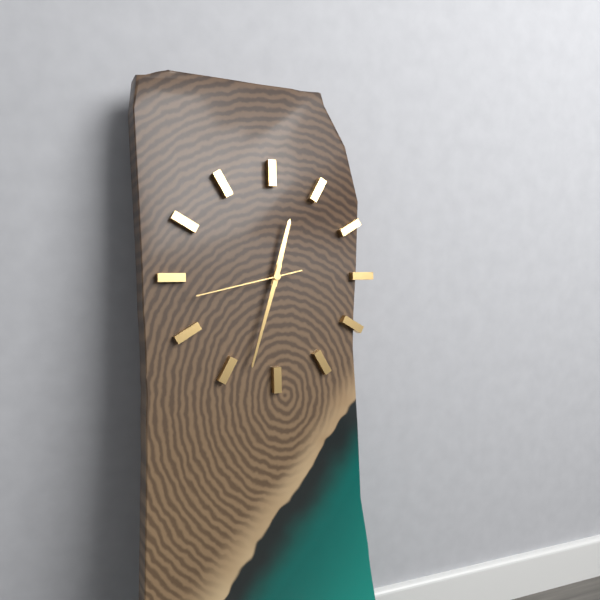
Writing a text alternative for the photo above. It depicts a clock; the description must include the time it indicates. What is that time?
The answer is 12:33:43
